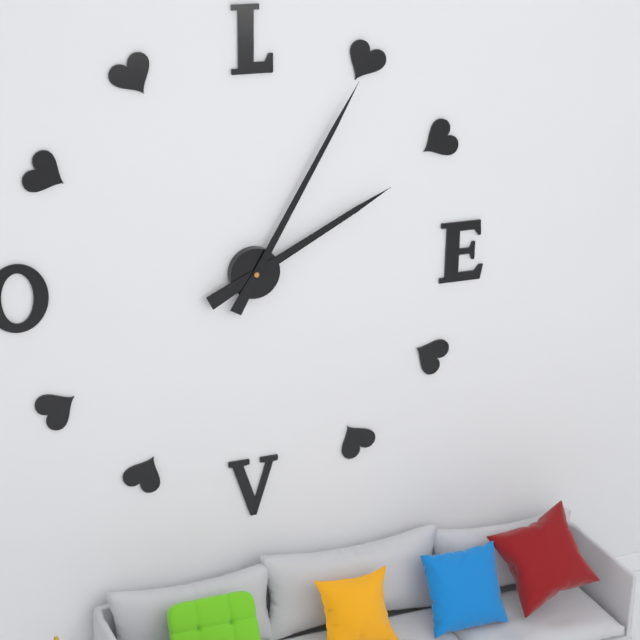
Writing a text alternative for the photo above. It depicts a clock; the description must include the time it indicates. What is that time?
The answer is 2:05
